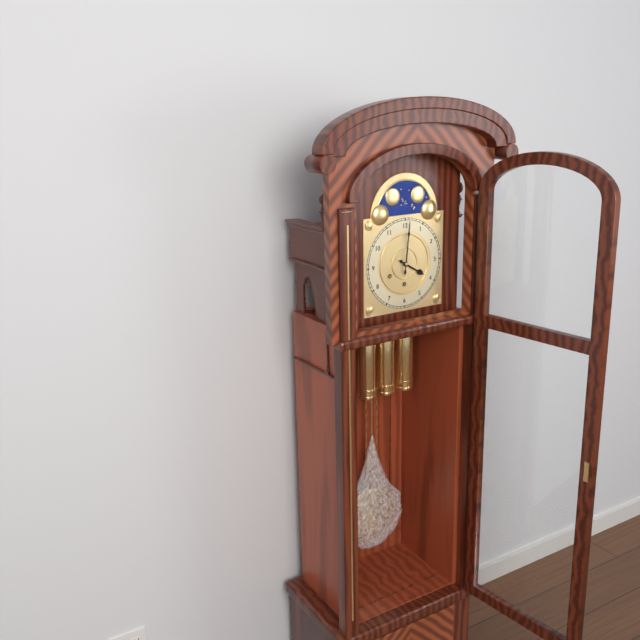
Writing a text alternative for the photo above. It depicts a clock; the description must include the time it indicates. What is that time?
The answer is 4:01
